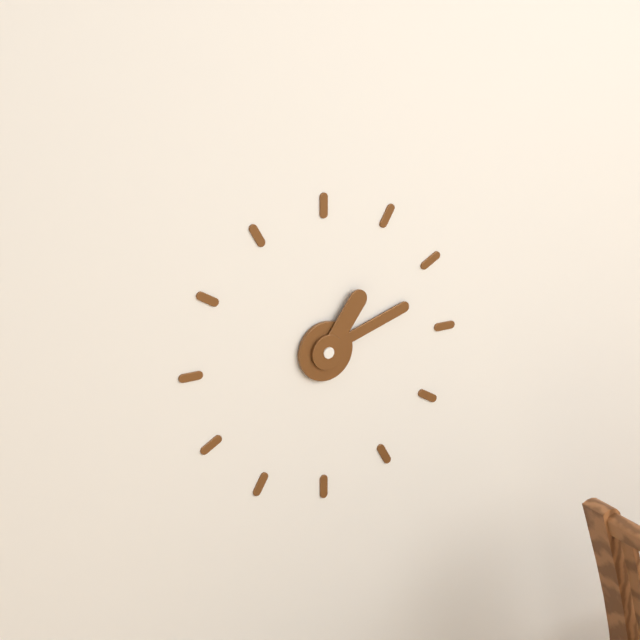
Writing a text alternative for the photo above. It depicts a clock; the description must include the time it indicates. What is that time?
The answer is 1:12
